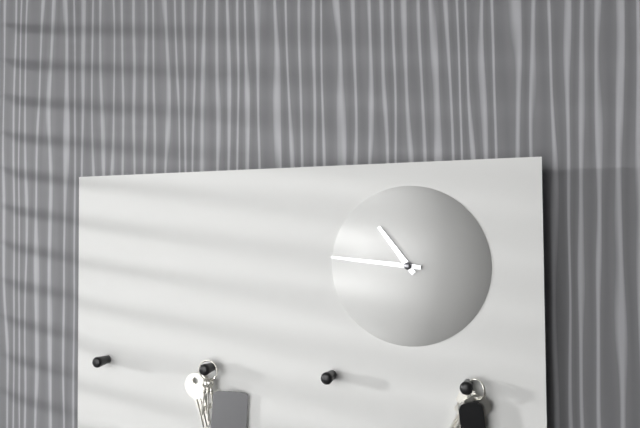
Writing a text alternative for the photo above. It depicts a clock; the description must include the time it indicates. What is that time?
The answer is 10:46
